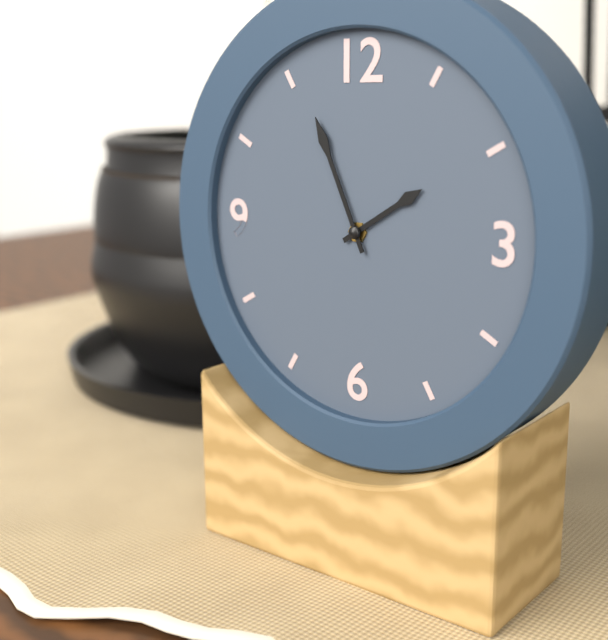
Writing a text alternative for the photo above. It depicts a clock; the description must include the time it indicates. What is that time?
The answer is 1:56
